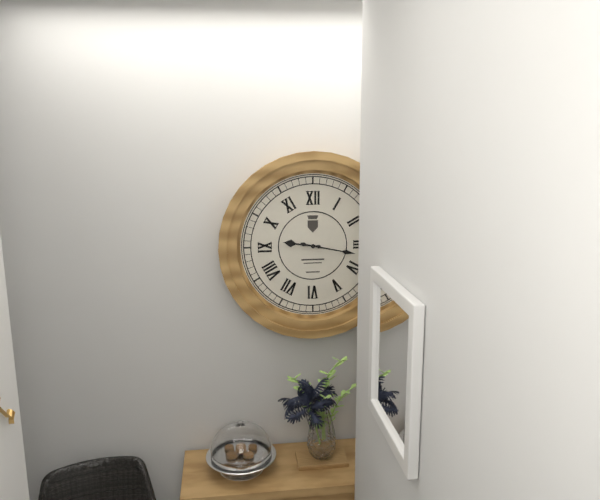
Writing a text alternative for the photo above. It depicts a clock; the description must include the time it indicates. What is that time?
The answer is 9:17
